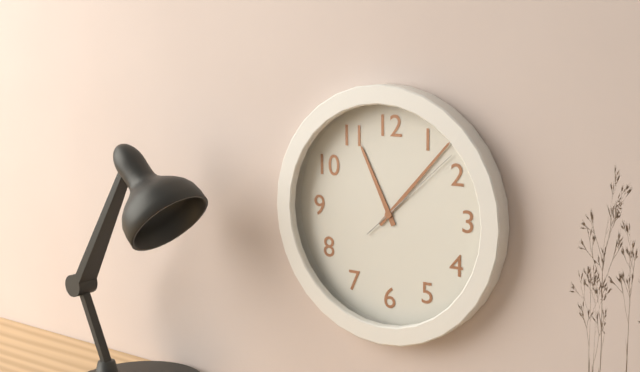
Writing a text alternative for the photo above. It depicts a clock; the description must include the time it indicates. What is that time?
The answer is 11:07:08
